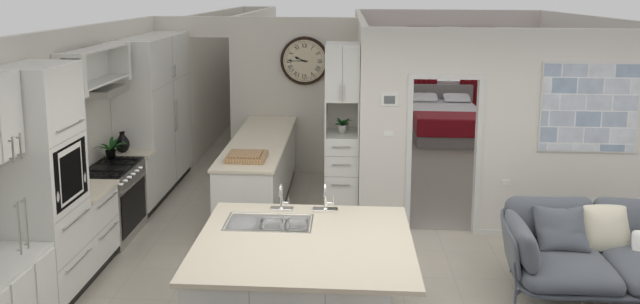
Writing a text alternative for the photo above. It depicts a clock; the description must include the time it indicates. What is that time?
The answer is 9:45
